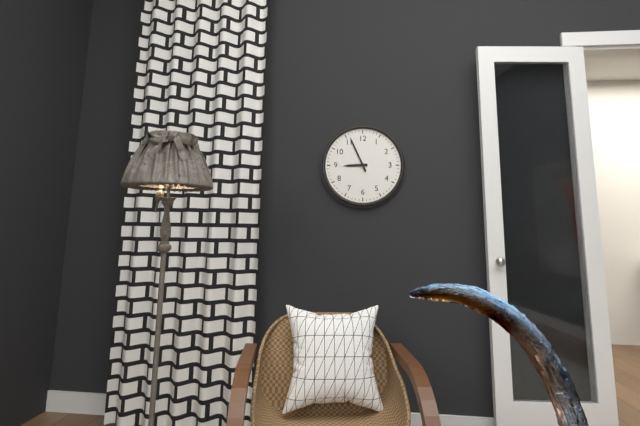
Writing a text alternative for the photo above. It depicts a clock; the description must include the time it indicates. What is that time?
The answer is 8:56
